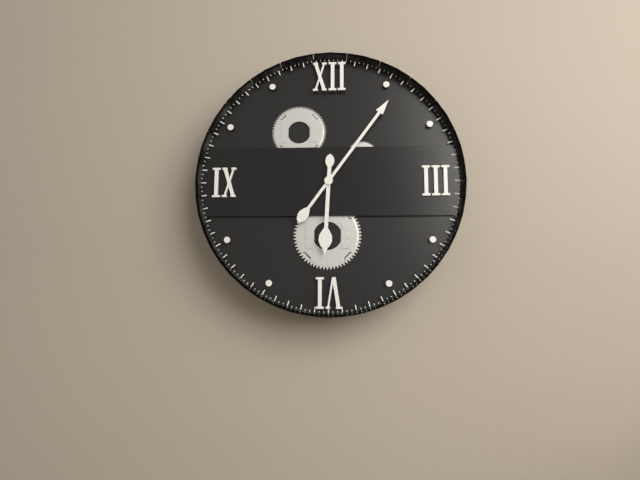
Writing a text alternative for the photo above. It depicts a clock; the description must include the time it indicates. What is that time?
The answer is 6:06
